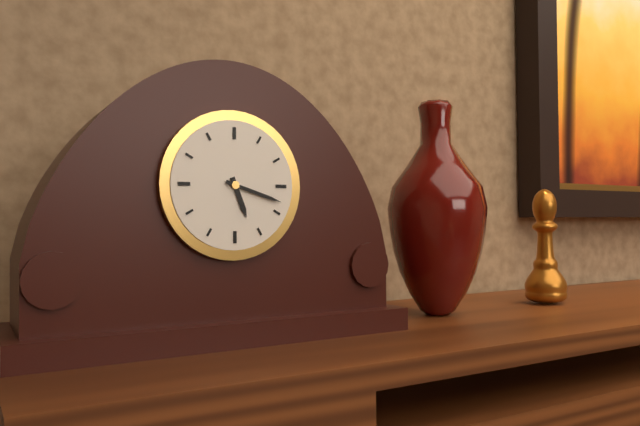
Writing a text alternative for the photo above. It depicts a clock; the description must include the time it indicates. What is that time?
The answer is 5:18
